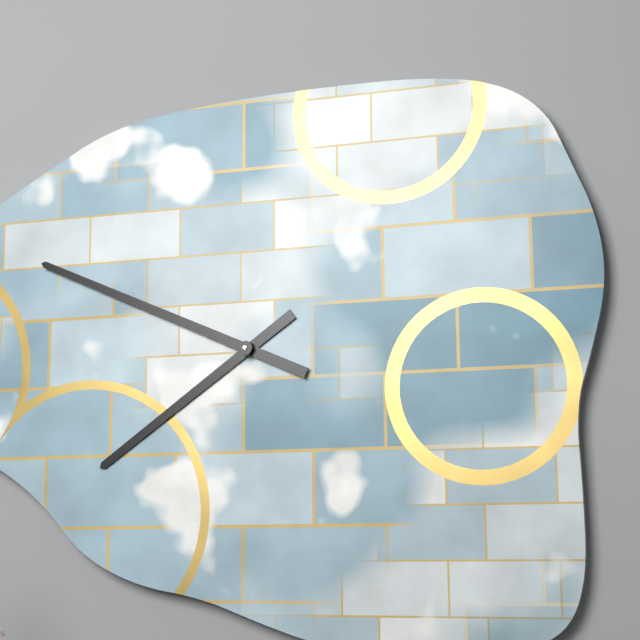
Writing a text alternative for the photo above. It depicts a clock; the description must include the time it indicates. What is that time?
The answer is 7:49
